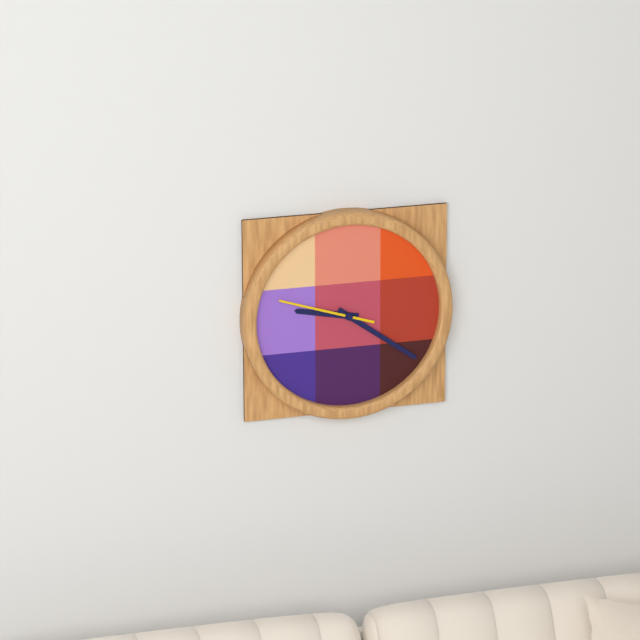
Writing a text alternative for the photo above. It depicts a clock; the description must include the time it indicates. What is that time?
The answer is 9:21:48
